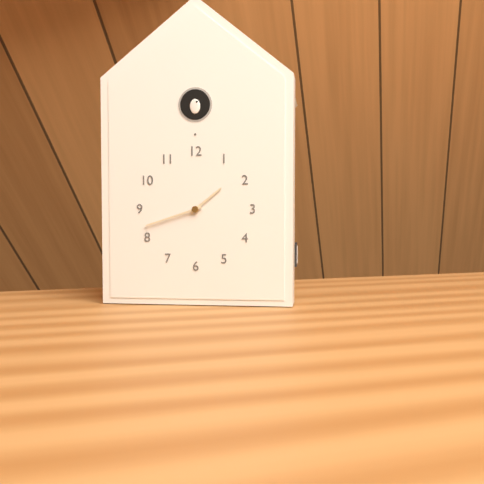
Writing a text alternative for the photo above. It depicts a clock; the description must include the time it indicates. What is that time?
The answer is 1:42
